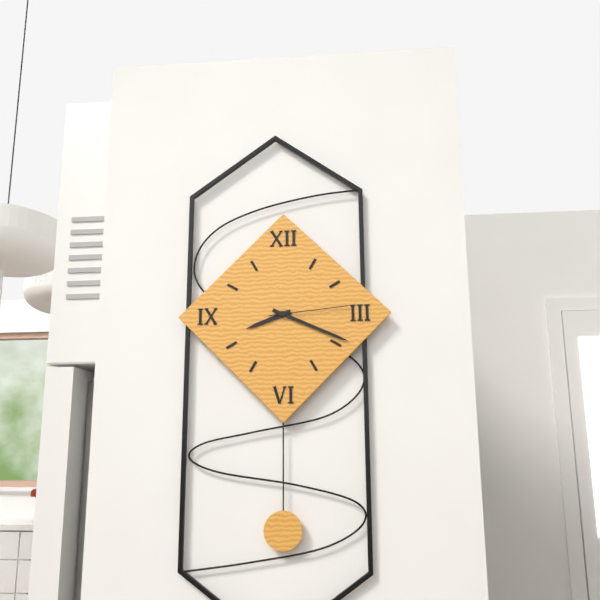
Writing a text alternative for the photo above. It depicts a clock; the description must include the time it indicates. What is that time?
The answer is 8:19:14
